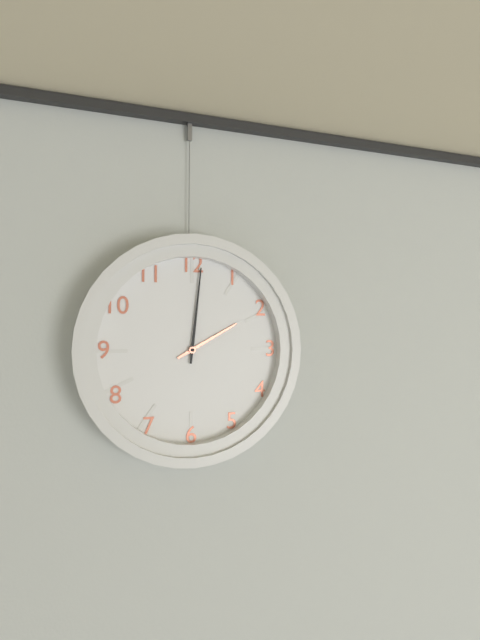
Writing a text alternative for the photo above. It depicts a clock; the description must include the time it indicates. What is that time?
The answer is 2:01
